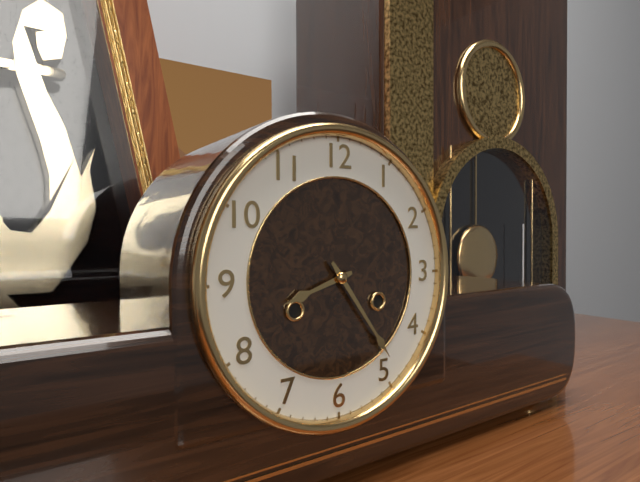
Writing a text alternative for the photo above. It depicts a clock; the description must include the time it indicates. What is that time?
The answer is 8:24
